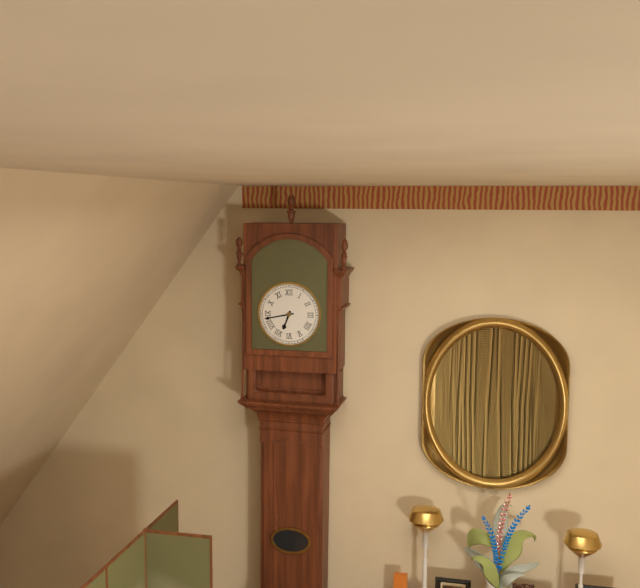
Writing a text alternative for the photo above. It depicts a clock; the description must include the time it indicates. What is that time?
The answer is 6:43
